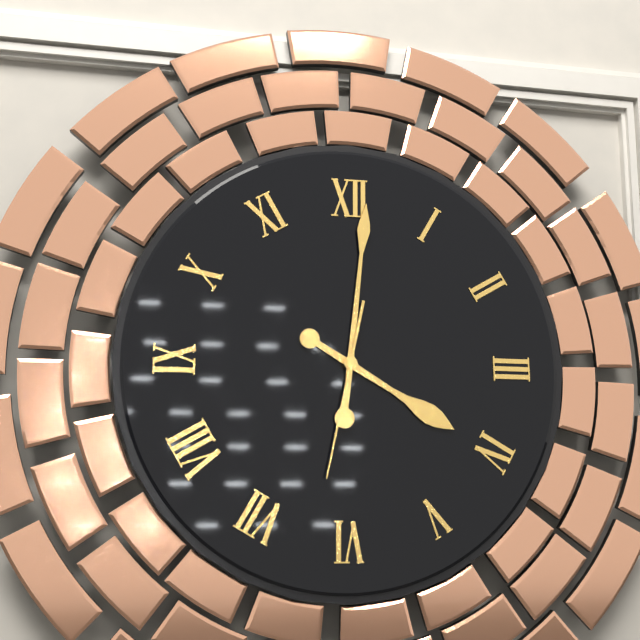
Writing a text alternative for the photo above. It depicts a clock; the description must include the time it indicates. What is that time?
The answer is 4:01:32
